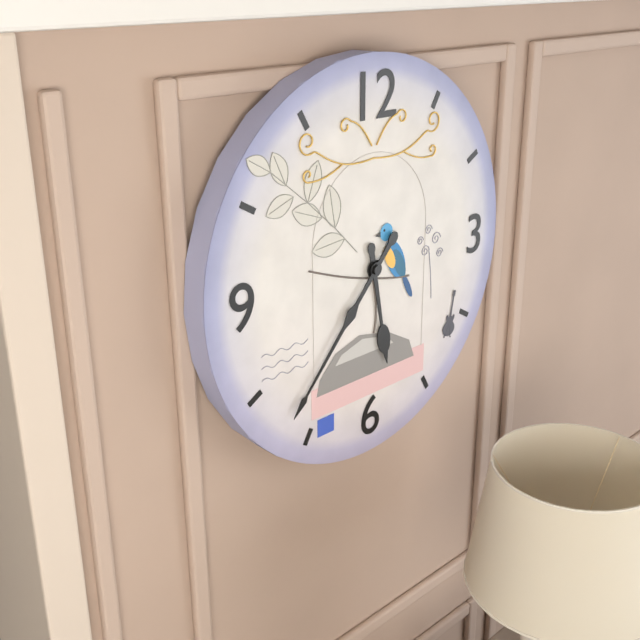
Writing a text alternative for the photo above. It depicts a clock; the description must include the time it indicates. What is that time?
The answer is 5:37
